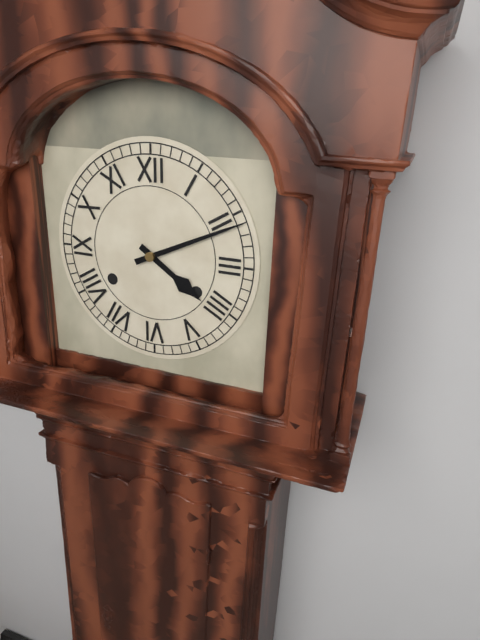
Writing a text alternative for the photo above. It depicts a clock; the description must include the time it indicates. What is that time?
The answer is 4:11
